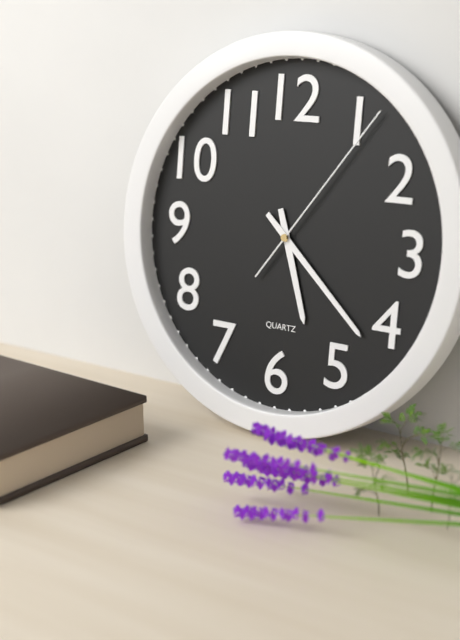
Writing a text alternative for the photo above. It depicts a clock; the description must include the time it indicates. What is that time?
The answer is 5:22:06
